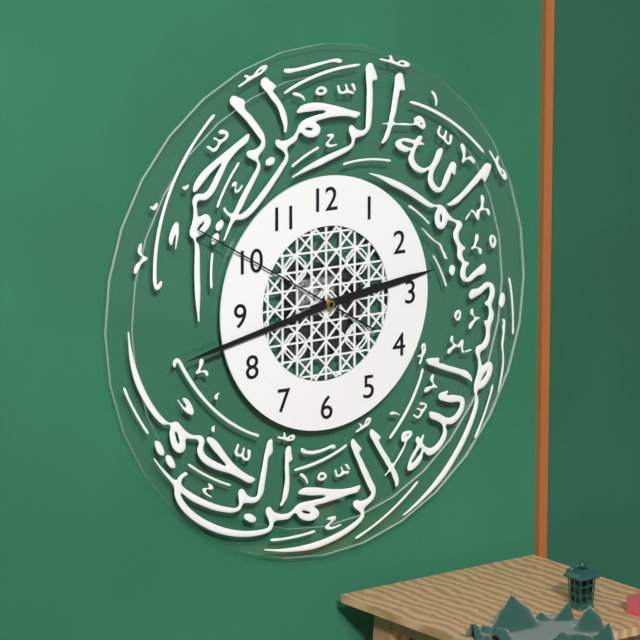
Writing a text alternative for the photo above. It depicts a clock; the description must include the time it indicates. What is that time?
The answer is 2:43:50
